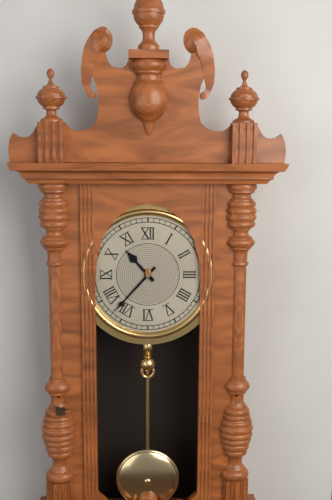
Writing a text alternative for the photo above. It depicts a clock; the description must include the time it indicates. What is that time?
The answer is 10:37
